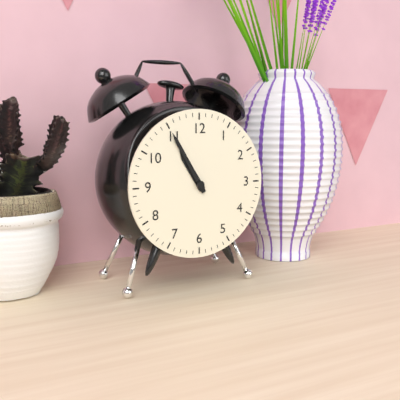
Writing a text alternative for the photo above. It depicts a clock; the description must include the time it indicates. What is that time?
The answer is 10:55
